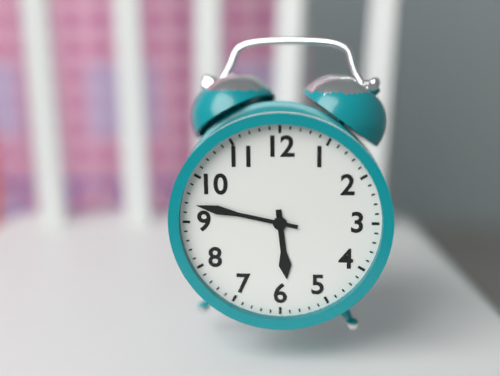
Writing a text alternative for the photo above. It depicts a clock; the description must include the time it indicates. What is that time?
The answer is 5:47
